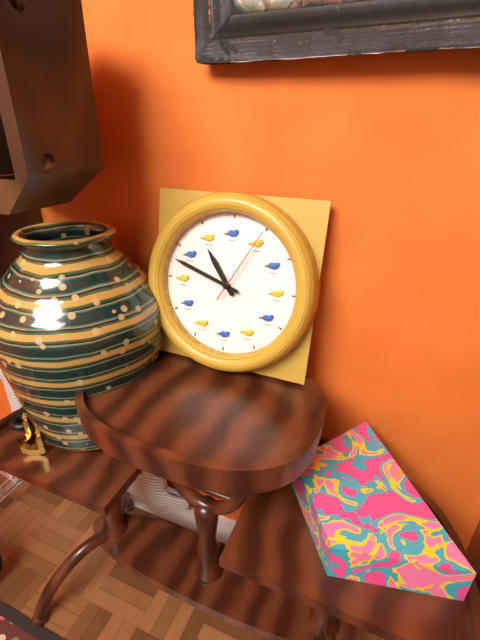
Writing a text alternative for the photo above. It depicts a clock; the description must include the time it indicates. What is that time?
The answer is 10:48:05
